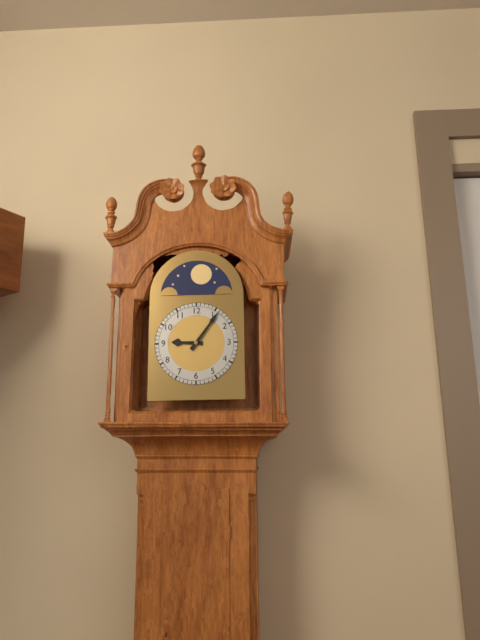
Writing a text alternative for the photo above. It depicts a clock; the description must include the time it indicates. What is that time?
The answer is 9:06
